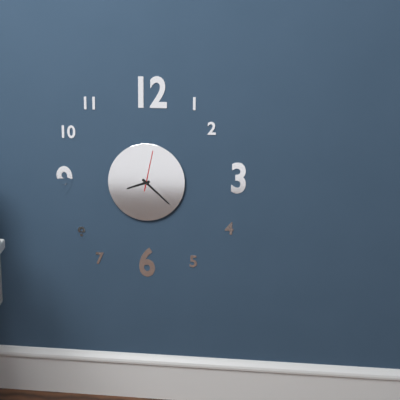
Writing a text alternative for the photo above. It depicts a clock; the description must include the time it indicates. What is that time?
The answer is 8:22
